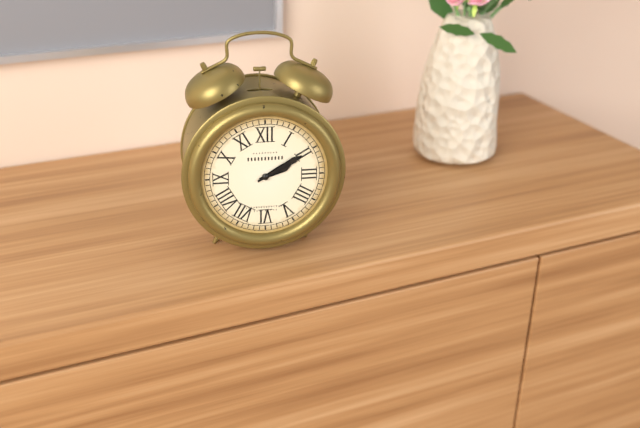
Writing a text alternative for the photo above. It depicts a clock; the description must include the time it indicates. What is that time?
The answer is 2:10
